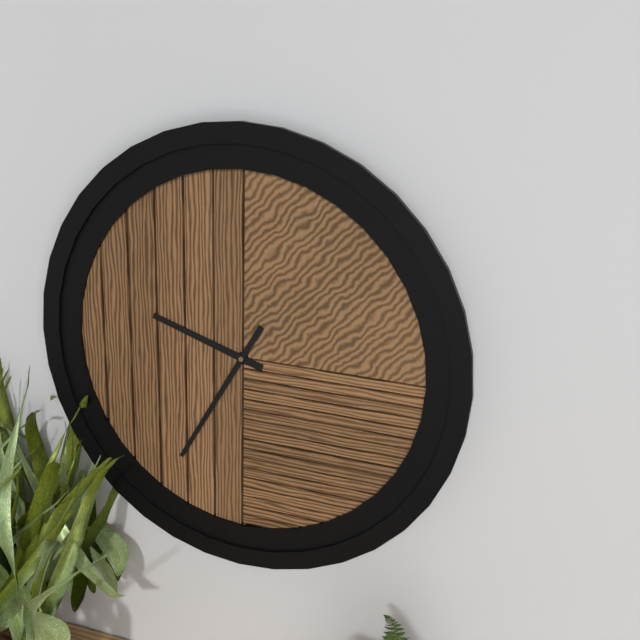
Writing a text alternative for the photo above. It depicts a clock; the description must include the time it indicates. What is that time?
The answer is 9:35
